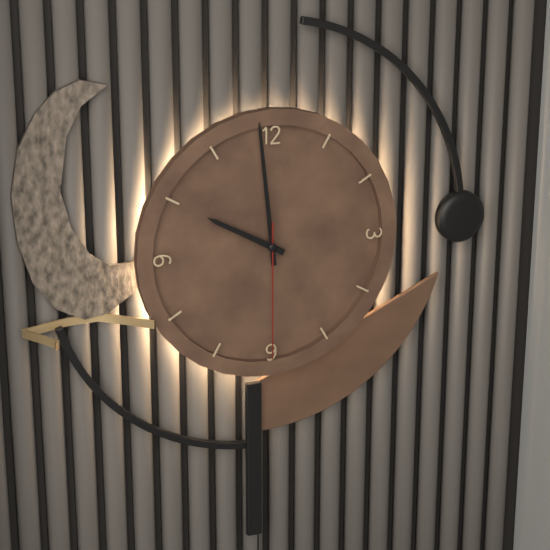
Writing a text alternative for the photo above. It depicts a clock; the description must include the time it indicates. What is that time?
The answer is 9:59:30
